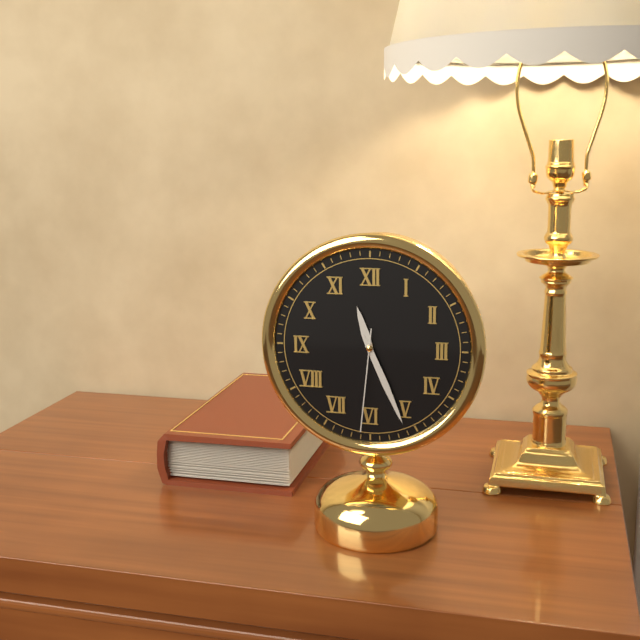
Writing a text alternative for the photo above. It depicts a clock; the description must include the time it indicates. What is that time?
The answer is 11:26:31
